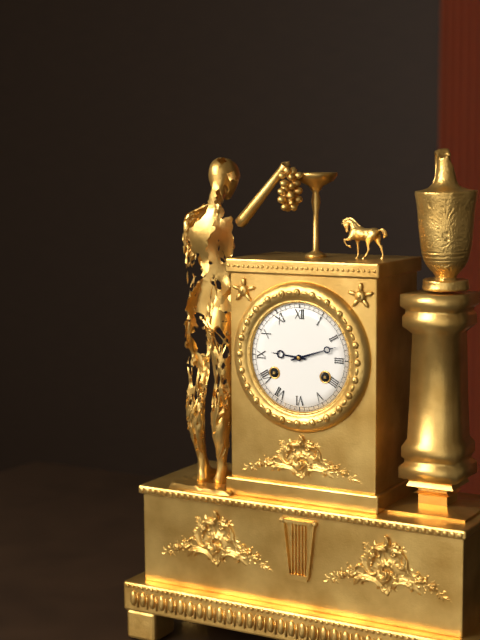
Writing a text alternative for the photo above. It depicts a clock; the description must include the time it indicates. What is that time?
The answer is 9:12
